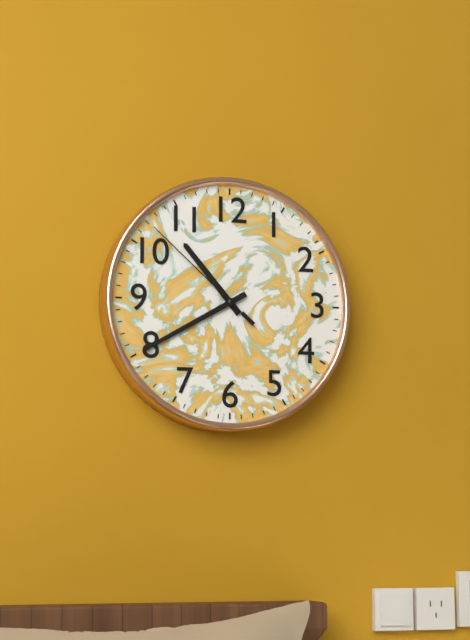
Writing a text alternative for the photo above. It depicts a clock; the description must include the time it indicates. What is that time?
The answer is 10:40:52
